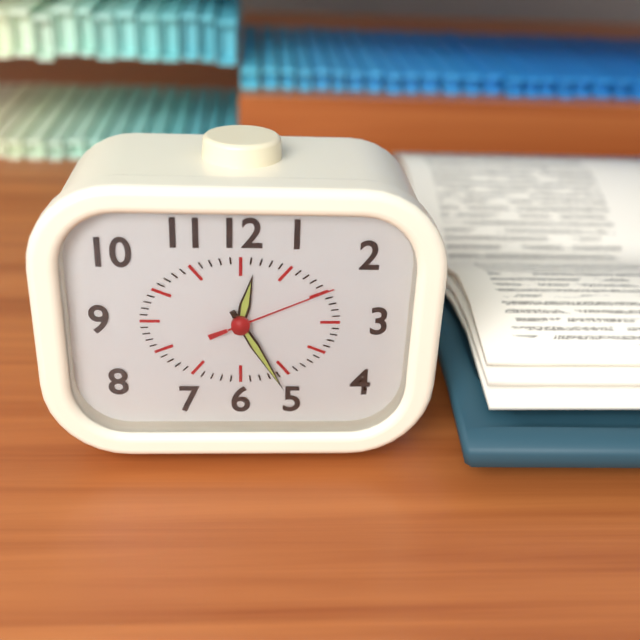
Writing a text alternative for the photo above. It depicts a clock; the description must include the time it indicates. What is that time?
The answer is 12:25:11
